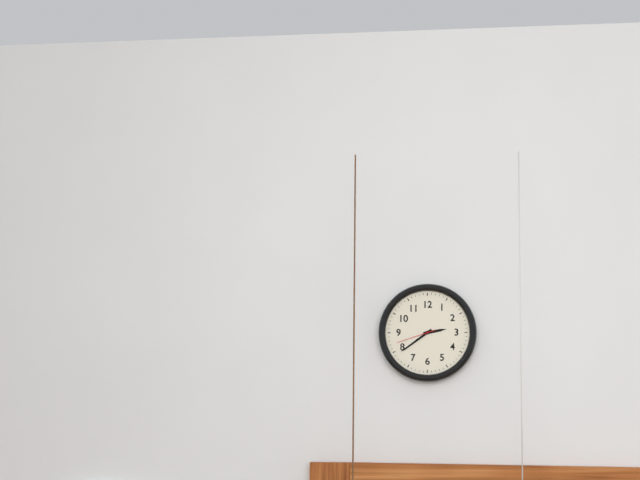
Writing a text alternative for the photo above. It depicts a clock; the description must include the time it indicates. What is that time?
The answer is 2:39
